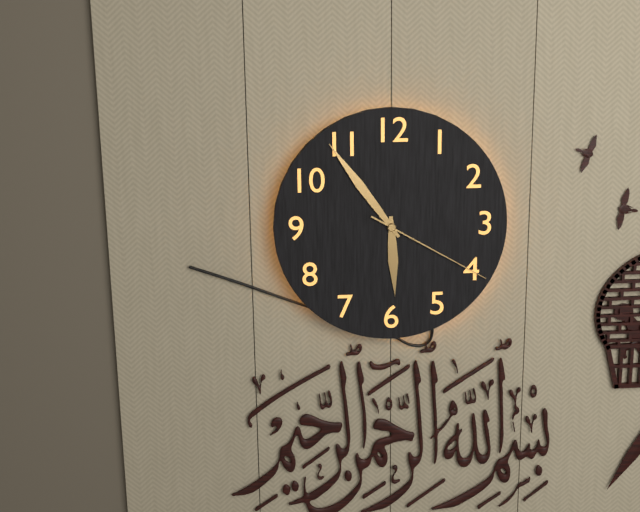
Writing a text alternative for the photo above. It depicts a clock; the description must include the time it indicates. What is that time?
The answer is 5:54:20
